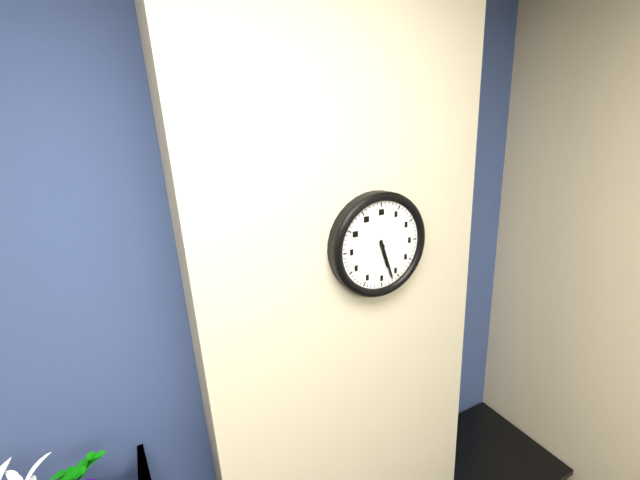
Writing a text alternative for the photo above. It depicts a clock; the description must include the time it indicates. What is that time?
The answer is 5:27
